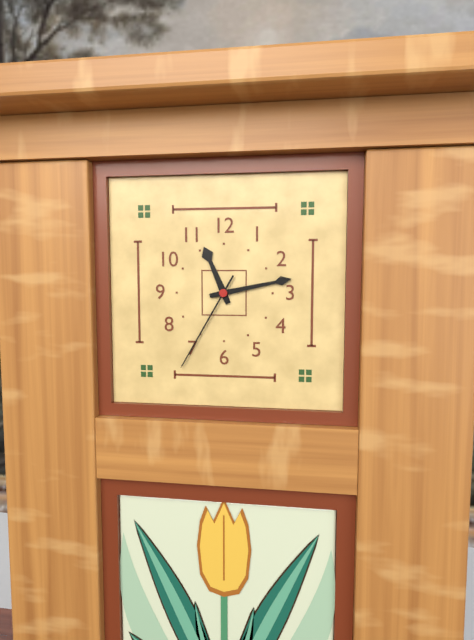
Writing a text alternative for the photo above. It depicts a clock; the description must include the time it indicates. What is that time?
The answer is 11:13:35
